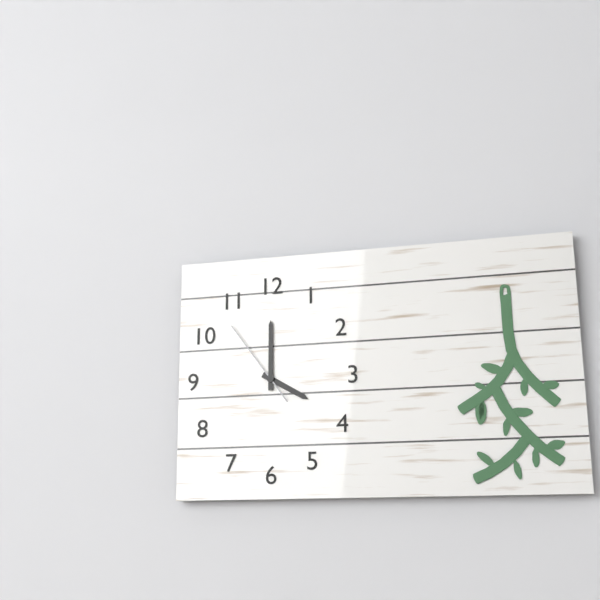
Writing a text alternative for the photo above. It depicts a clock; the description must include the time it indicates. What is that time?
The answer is 4:00:54
